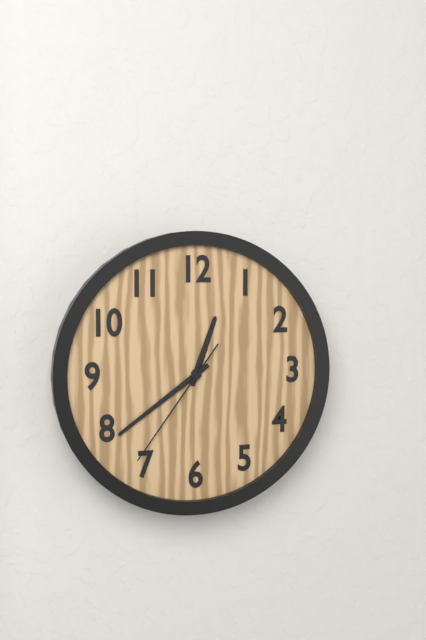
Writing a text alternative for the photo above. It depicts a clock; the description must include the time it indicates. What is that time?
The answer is 12:39:36
